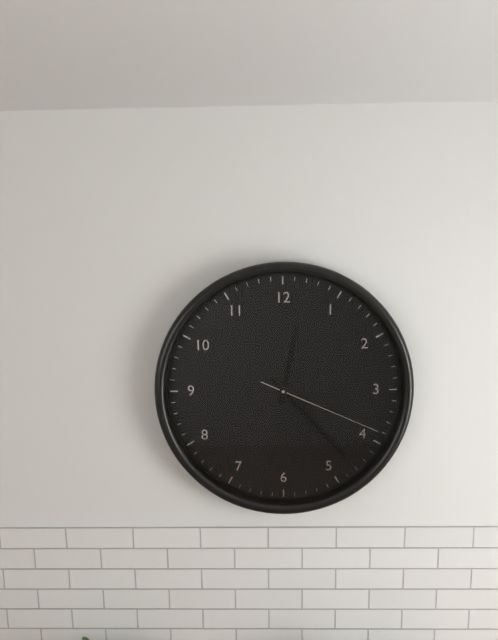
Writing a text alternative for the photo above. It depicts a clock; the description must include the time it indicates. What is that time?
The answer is 12:23:19
